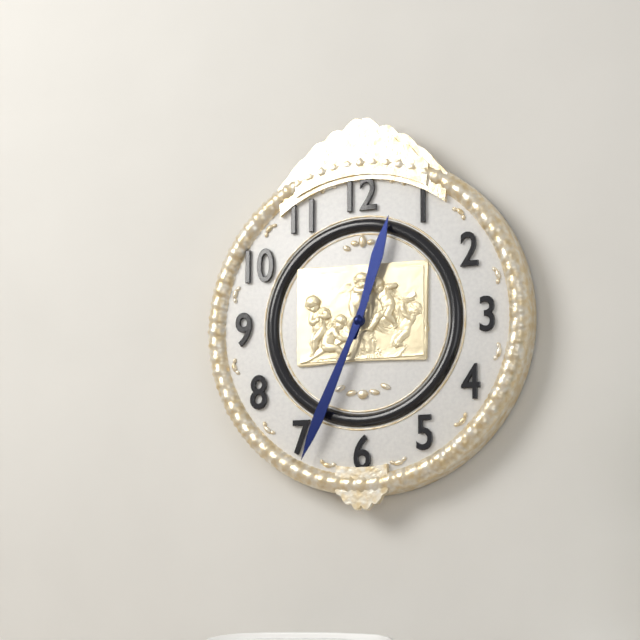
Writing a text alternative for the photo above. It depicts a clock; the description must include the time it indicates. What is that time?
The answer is 12:34
